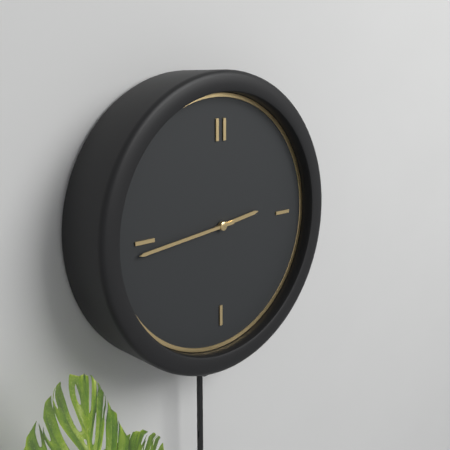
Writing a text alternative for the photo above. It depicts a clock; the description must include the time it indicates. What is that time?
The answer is 2:44
